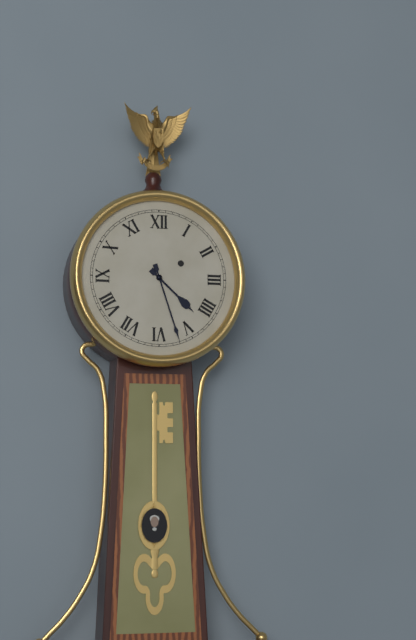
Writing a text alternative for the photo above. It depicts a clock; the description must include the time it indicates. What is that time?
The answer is 4:27
